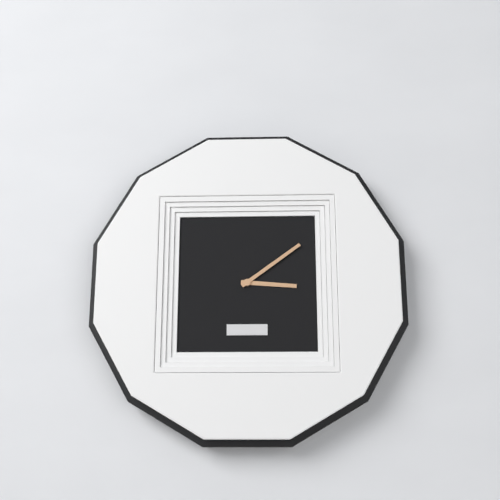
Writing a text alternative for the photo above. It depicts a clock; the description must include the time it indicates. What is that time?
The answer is 3:09
